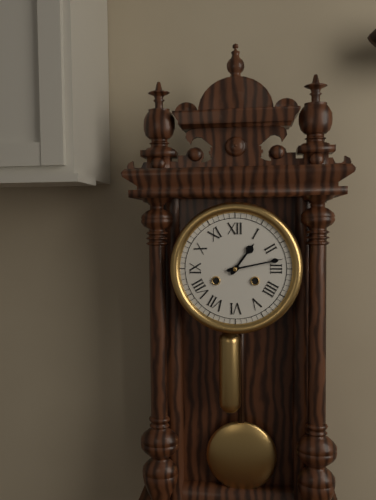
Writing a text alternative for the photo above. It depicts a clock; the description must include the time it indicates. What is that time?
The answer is 1:13
